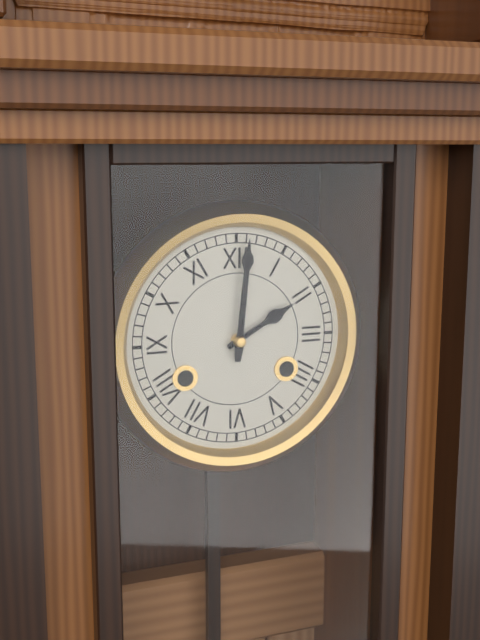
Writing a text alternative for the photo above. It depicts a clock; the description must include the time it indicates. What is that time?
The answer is 2:01
